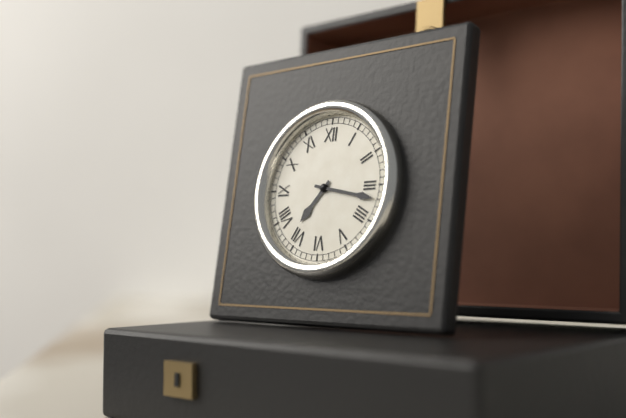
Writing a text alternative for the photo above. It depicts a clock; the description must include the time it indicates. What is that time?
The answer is 7:17
